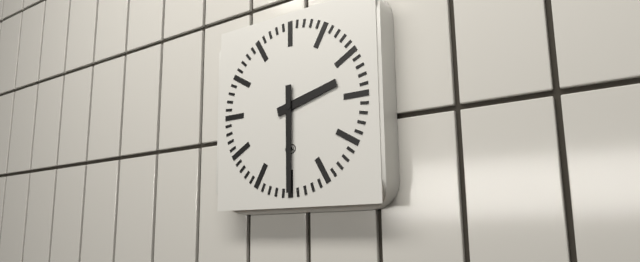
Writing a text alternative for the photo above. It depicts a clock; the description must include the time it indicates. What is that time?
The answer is 2:30
